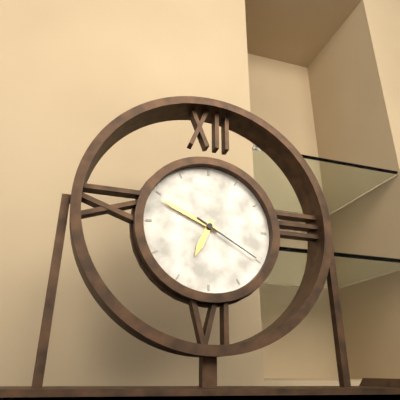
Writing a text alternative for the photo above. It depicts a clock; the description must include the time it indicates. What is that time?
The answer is 6:49:20
